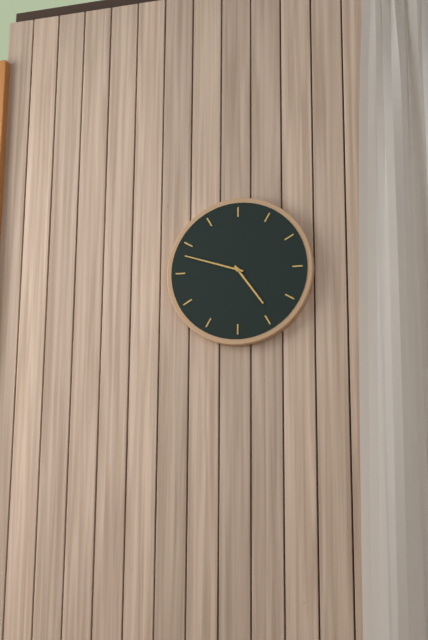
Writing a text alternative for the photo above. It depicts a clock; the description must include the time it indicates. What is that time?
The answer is 4:48
